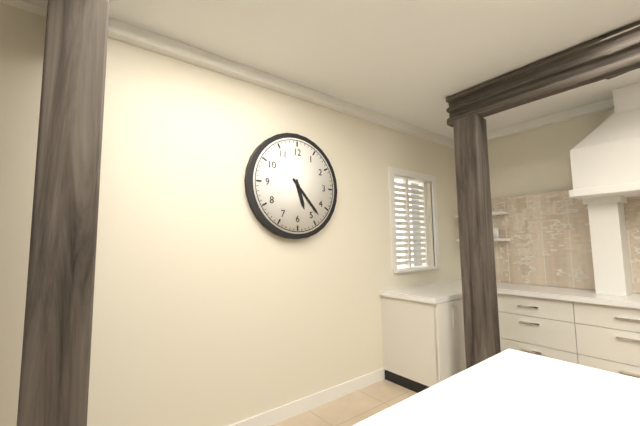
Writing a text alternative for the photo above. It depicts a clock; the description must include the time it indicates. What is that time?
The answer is 5:23
